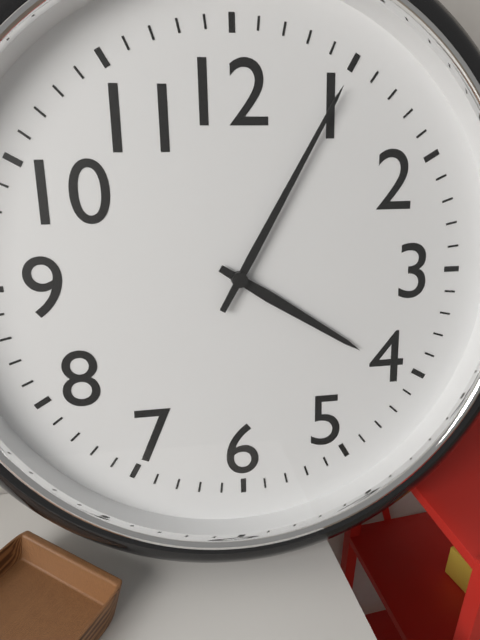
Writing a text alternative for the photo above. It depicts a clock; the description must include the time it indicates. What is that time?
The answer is 4:05
